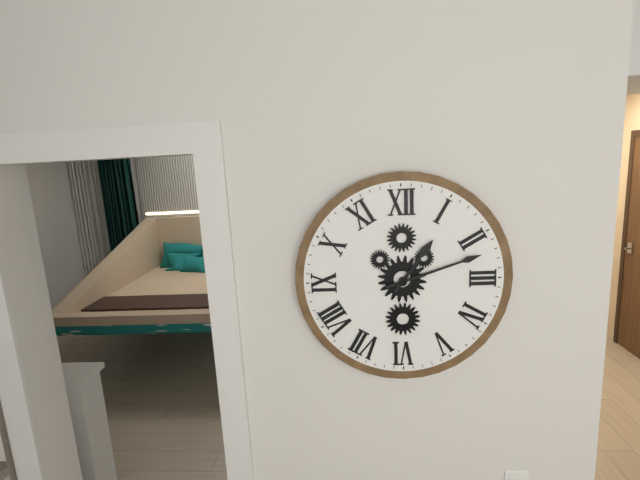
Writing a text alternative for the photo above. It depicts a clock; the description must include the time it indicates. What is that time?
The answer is 1:12
